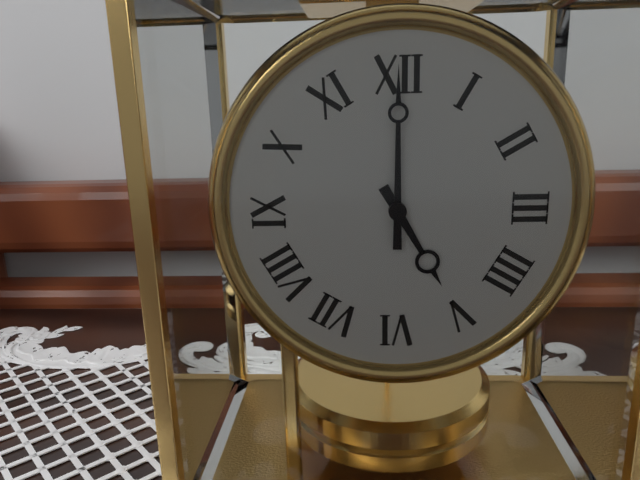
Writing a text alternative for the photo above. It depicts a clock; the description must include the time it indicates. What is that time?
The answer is 5:00
